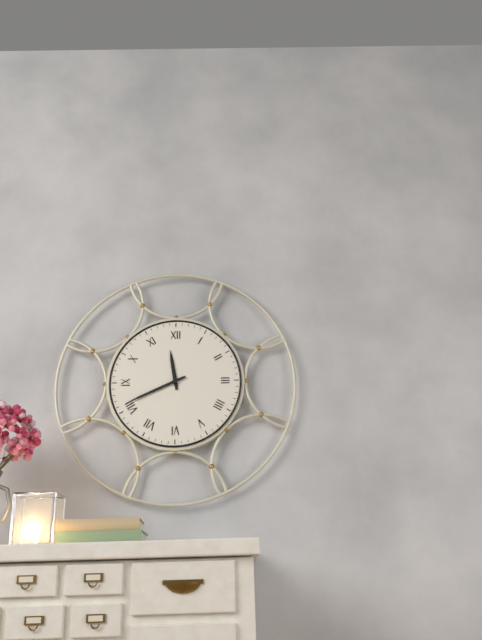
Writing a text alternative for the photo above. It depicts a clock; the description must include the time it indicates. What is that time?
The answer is 11:41
